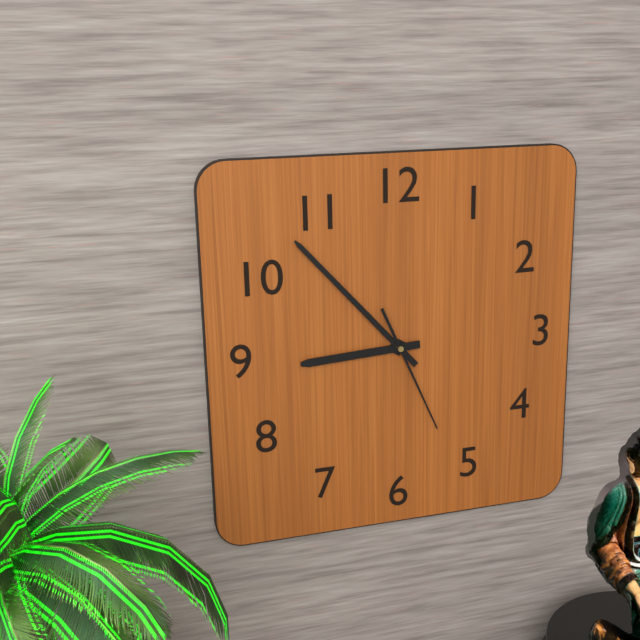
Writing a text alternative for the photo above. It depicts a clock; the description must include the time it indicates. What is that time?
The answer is 8:53:26
